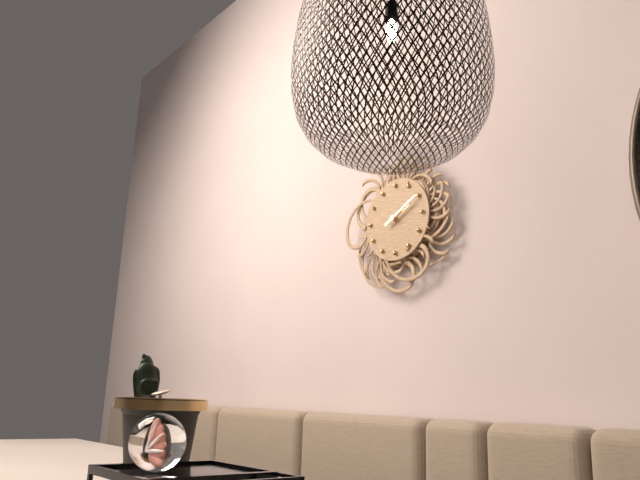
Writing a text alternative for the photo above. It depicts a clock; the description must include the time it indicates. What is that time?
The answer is 2:10
